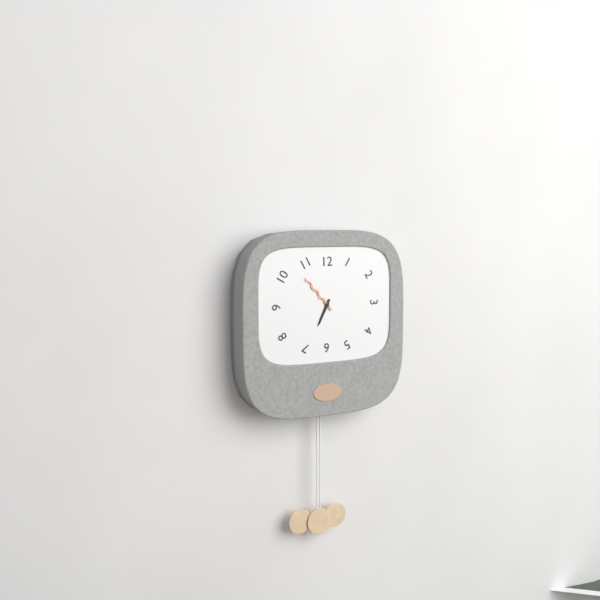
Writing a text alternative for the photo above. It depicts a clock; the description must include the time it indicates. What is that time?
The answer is 6:53
